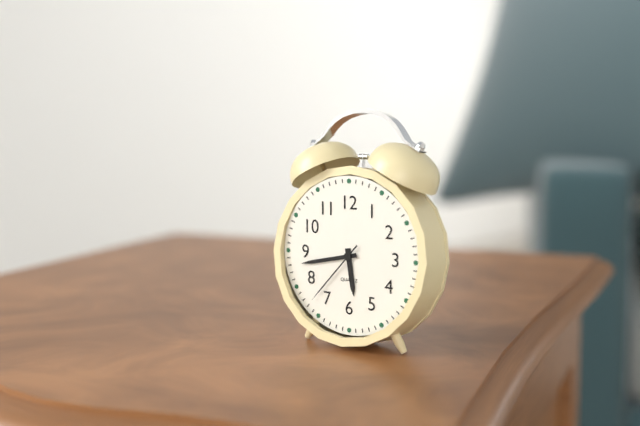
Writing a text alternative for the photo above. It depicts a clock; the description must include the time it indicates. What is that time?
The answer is 5:43:37
